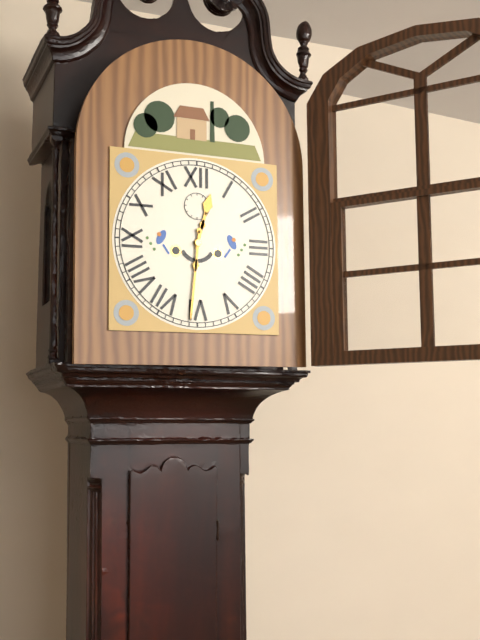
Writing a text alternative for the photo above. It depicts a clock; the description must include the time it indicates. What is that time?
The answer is 12:31
